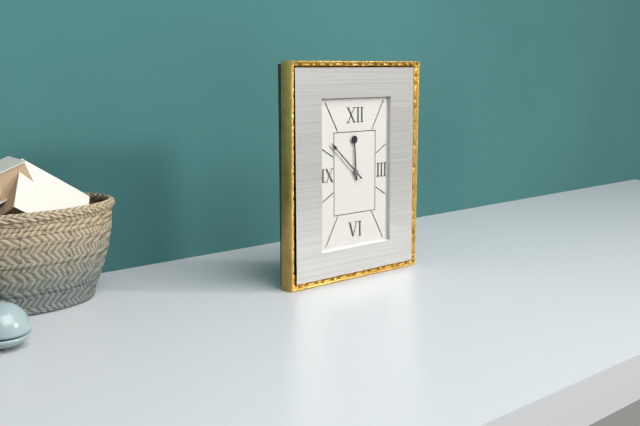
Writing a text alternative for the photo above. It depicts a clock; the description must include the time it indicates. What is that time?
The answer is 11:52
